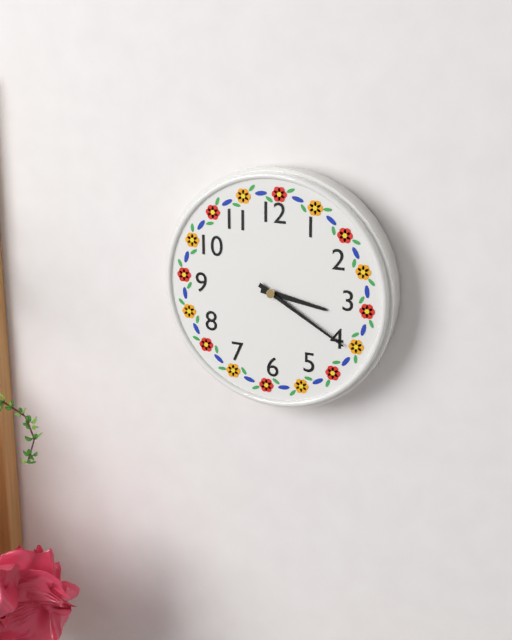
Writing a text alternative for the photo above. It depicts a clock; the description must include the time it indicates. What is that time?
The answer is 3:20
